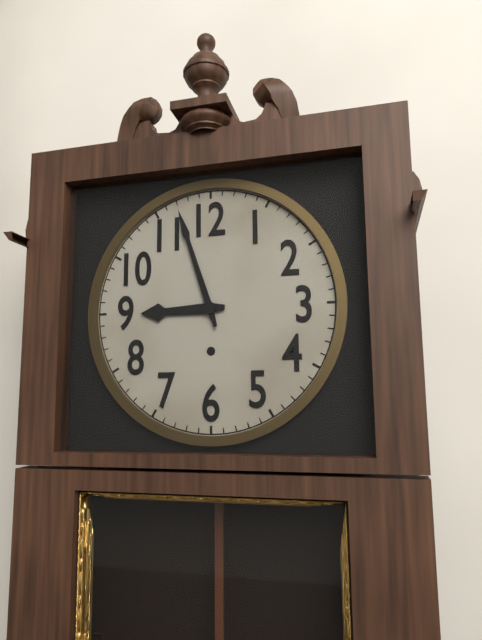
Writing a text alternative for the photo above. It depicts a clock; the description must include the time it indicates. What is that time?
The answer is 8:57
